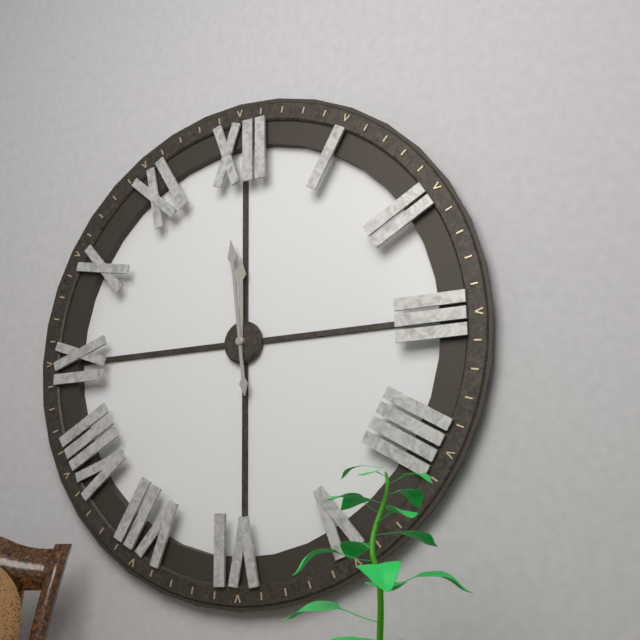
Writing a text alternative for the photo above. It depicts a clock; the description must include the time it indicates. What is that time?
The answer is 11:59
